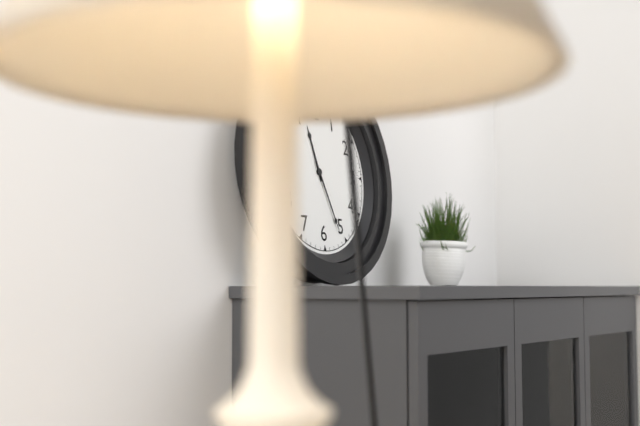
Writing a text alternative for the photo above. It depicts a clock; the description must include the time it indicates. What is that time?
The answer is 11:26
